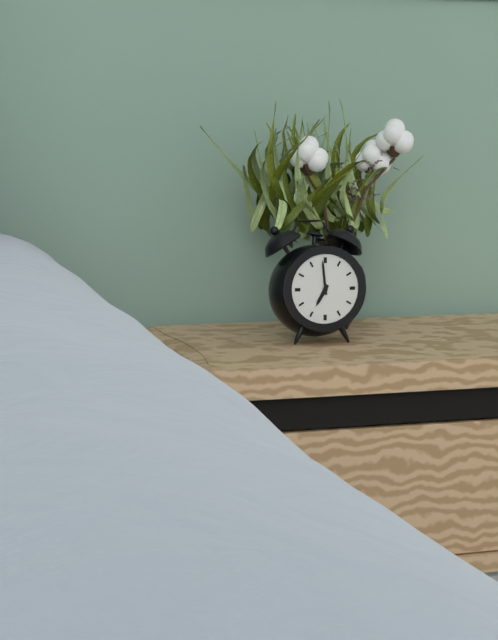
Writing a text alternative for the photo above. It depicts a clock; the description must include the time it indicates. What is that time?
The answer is 6:59
